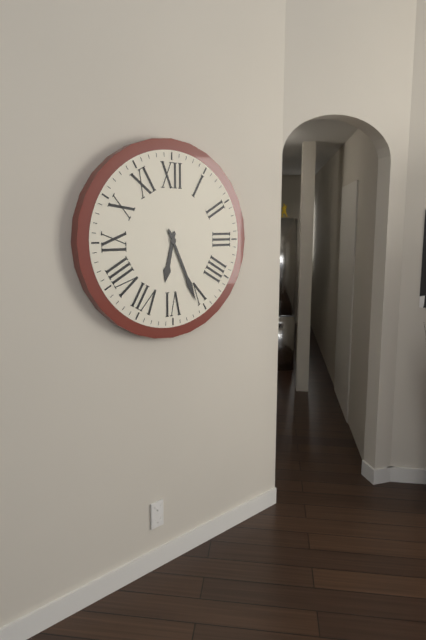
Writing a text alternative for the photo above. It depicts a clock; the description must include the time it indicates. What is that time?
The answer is 6:26
